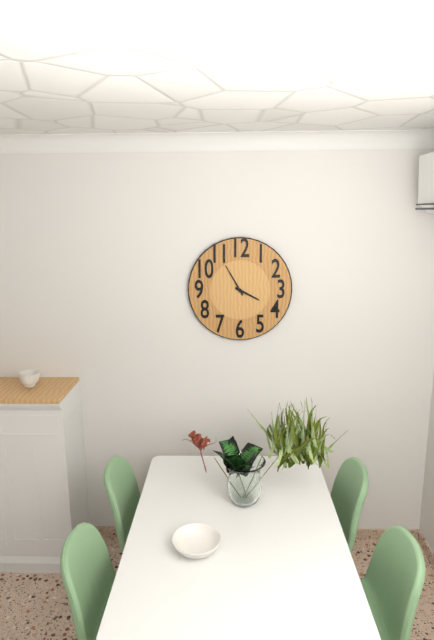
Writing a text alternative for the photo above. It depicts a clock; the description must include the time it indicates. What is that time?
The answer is 3:55
